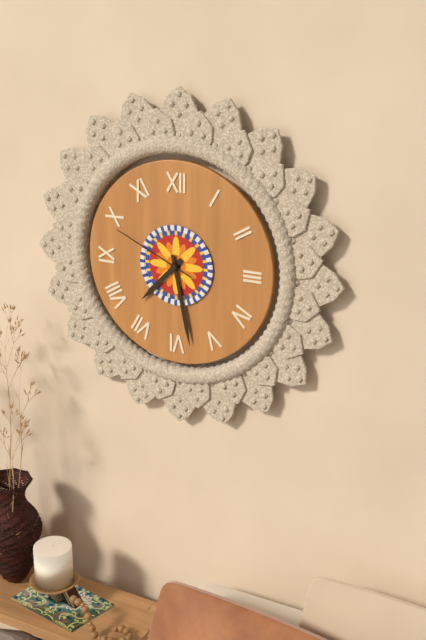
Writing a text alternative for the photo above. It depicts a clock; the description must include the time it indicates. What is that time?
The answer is 7:28:49
